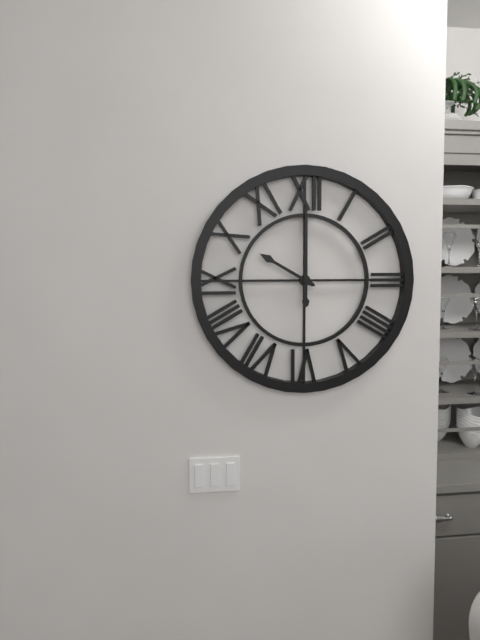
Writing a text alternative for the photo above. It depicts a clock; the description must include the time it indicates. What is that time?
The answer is 10:00
